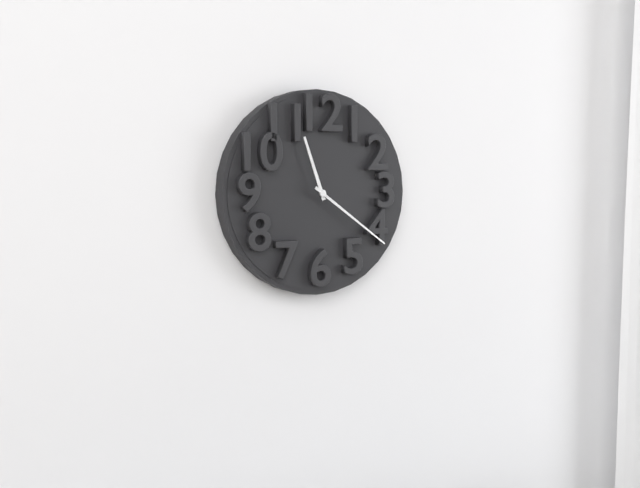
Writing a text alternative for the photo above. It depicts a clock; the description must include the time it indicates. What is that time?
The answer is 11:21
